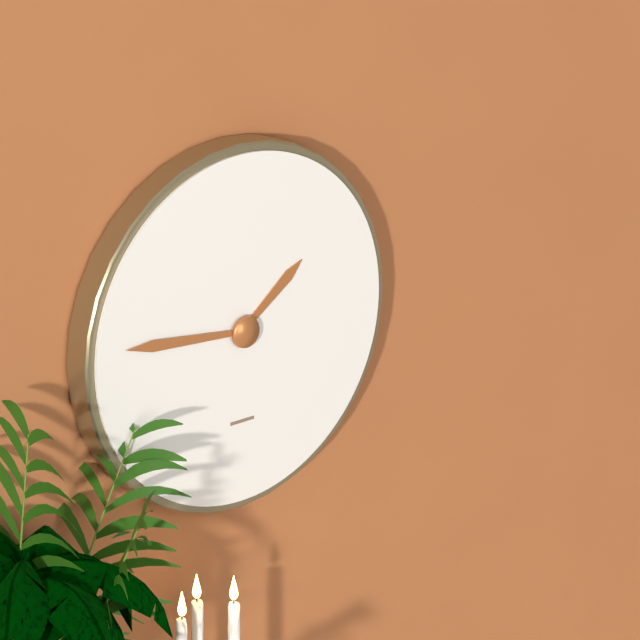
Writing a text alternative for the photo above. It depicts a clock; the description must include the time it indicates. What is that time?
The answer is 1:46
